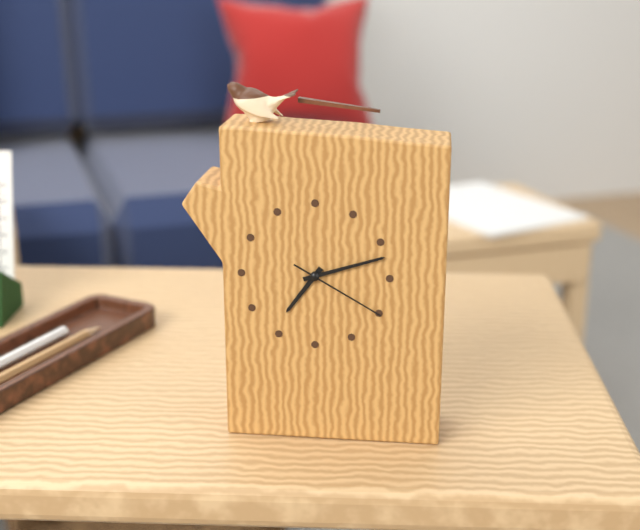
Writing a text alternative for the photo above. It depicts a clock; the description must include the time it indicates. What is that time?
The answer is 7:12:20
